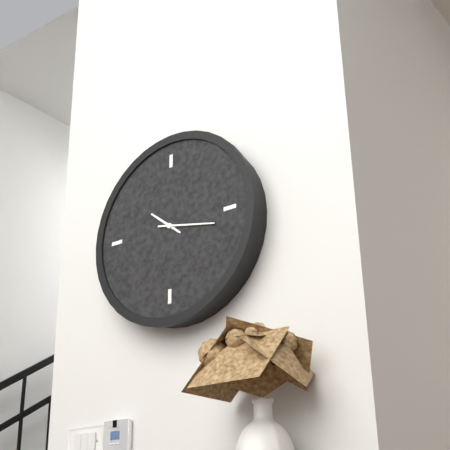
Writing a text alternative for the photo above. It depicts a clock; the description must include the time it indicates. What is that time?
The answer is 10:17
